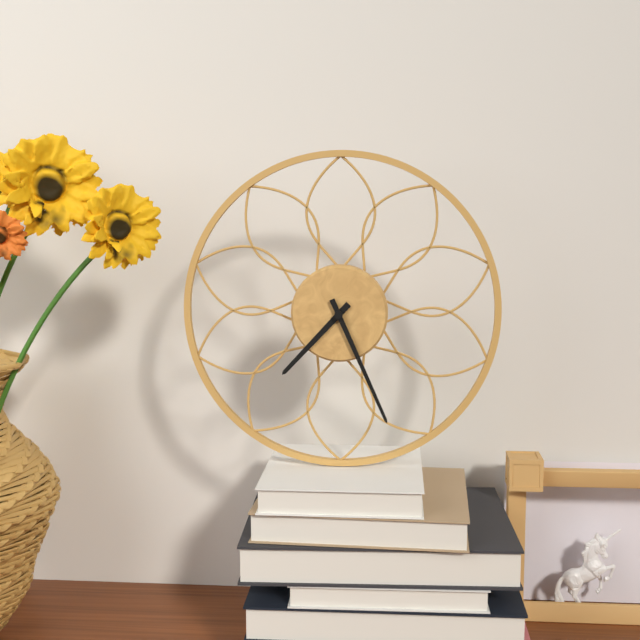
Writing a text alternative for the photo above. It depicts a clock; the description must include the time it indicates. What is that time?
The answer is 7:26
